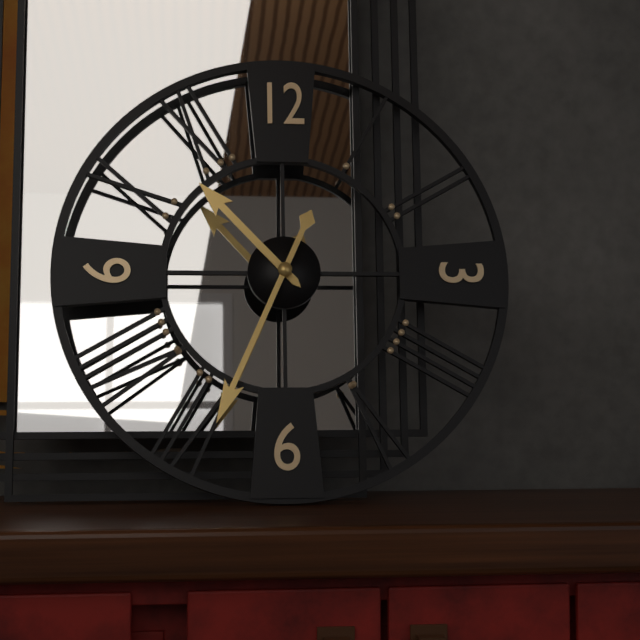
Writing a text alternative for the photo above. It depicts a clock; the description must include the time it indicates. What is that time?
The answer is 10:34
